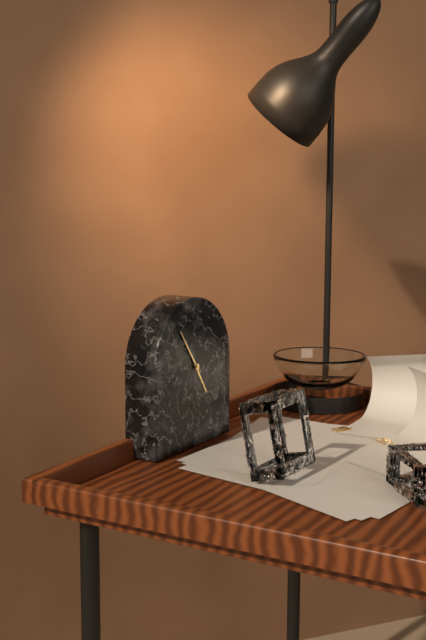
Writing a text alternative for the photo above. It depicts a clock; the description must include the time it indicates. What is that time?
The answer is 4:54
